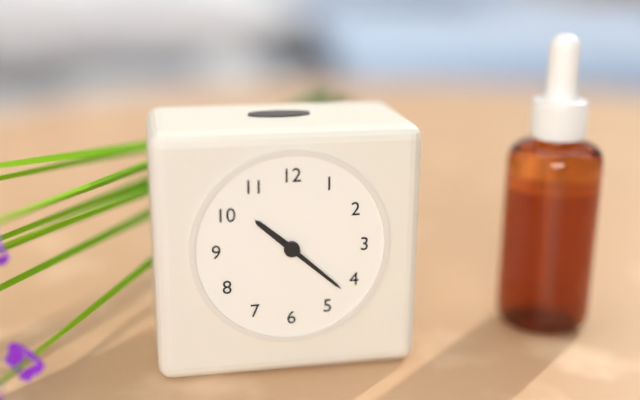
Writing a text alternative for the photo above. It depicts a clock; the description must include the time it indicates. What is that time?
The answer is 10:22
